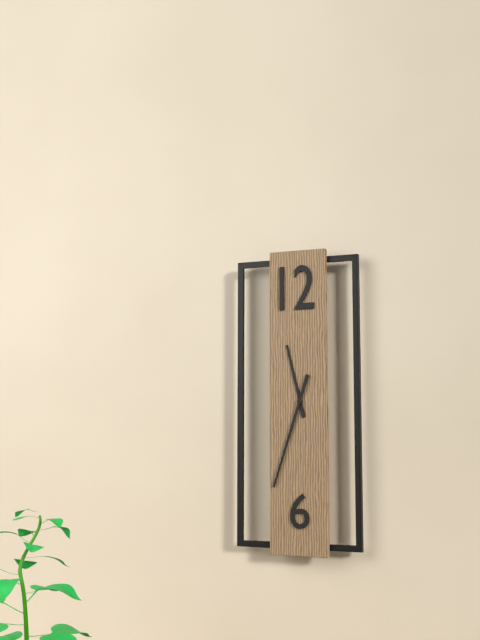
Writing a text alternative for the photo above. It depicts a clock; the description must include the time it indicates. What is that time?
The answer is 11:33
